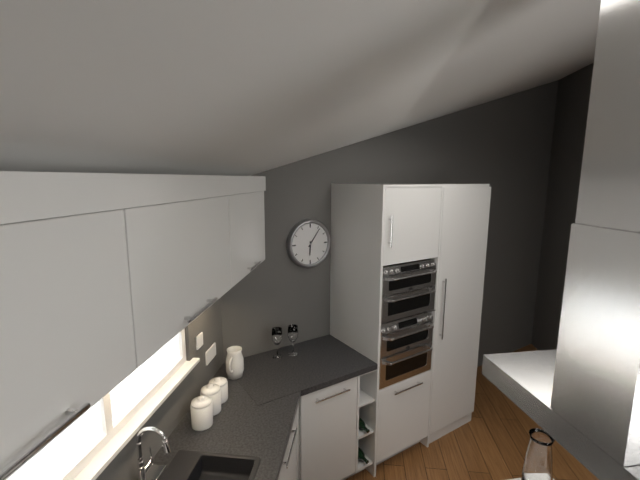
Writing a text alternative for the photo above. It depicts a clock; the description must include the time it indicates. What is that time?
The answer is 6:06
